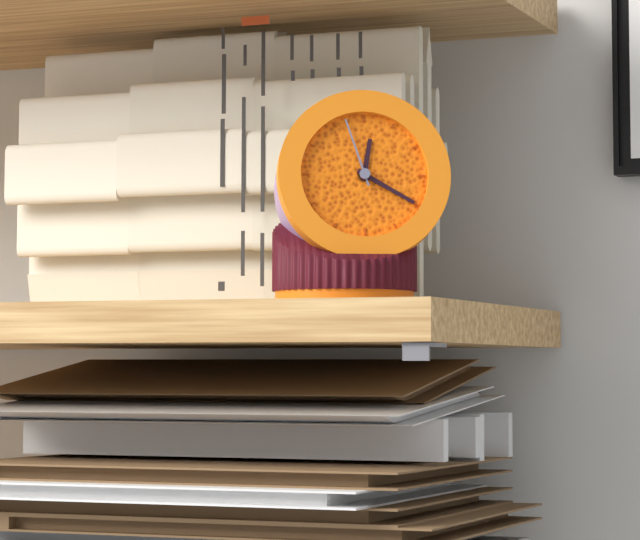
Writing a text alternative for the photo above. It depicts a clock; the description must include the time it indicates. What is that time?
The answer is 12:20:57
